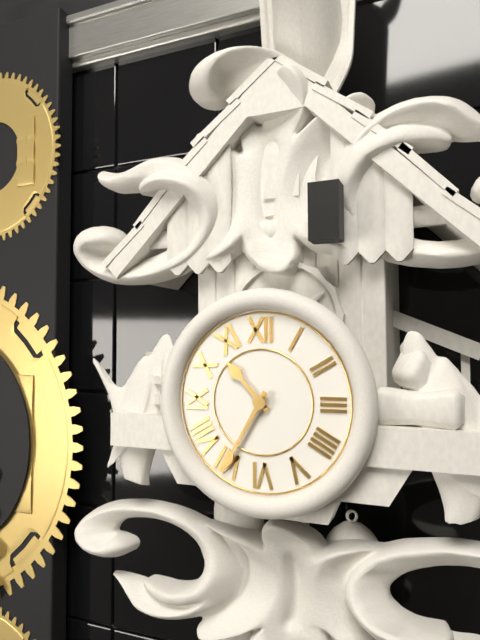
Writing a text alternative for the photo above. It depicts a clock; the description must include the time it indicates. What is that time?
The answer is 10:35
